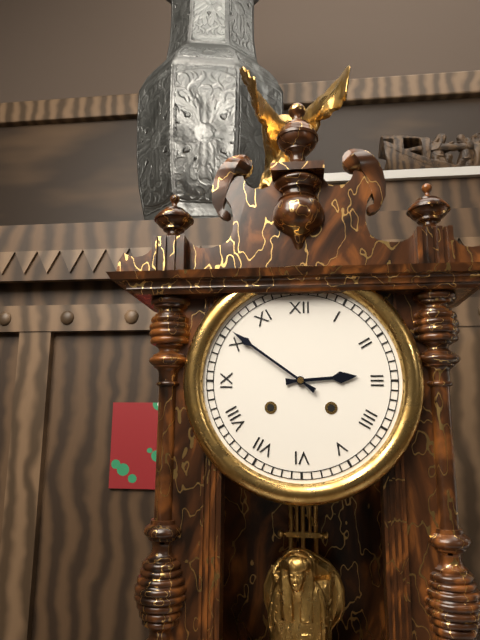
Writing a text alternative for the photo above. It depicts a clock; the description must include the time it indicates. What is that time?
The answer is 2:51
